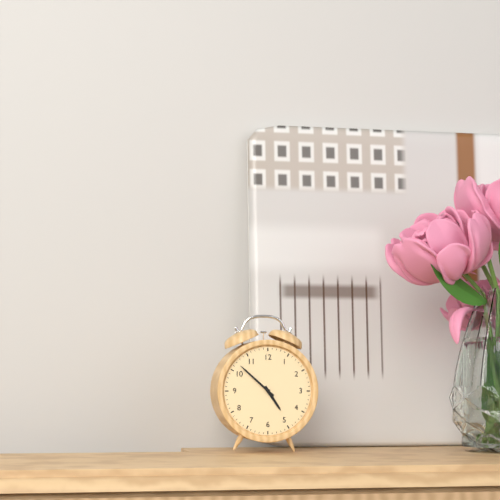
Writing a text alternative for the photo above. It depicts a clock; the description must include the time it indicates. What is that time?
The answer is 4:52
